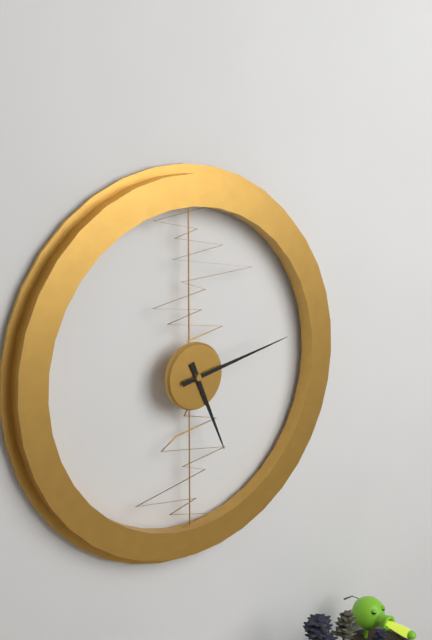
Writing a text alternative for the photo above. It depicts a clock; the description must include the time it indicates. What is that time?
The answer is 5:13
